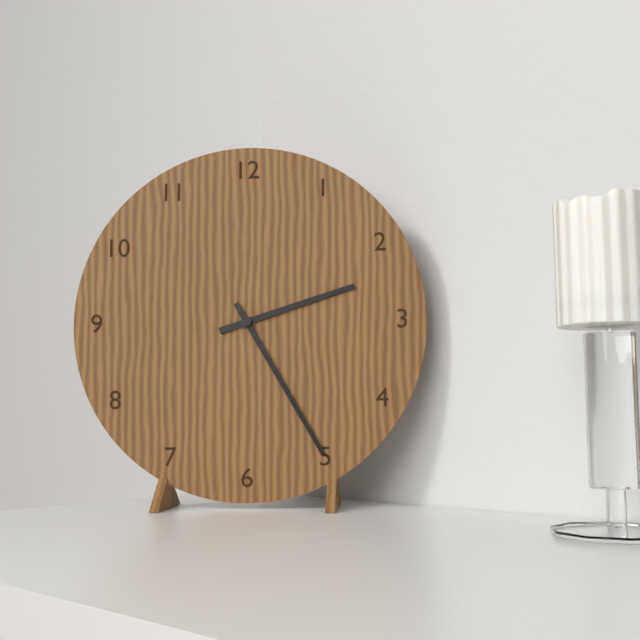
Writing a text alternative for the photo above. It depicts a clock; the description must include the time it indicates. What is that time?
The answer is 2:25
